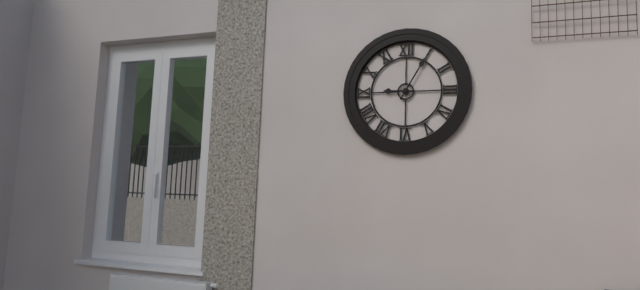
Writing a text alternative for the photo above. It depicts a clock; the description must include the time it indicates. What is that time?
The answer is 9:05
